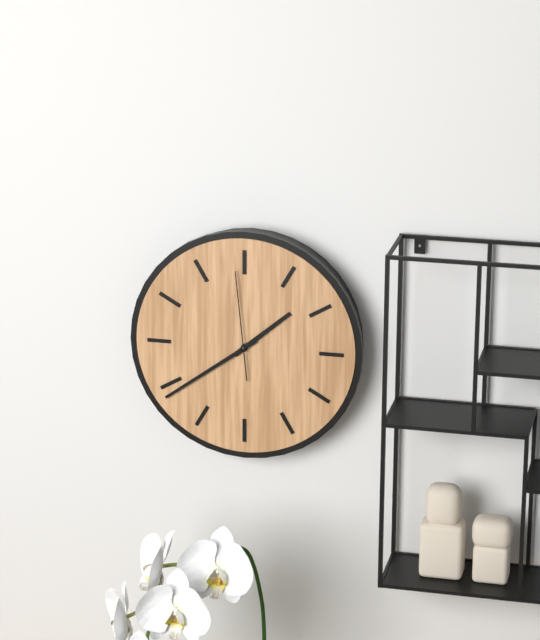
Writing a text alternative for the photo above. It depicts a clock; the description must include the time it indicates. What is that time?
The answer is 1:39:59
